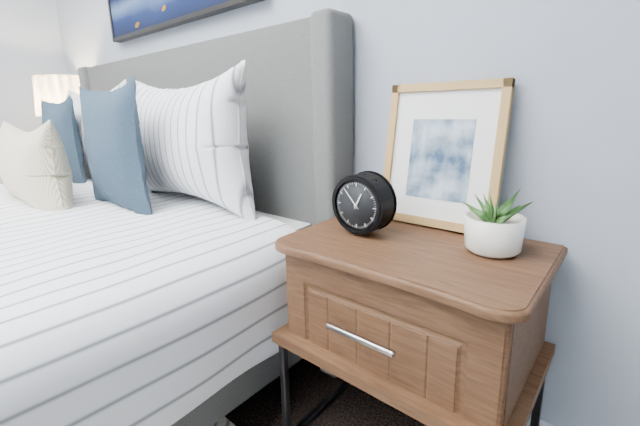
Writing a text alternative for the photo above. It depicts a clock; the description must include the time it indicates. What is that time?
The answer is 12:53
